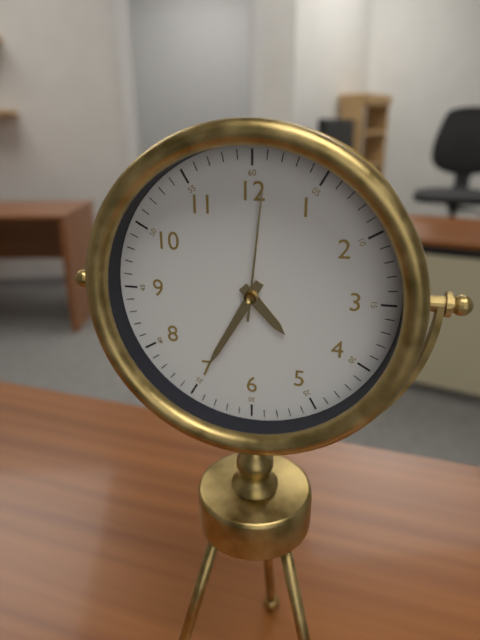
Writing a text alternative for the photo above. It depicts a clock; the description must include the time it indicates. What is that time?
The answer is 4:35:01
